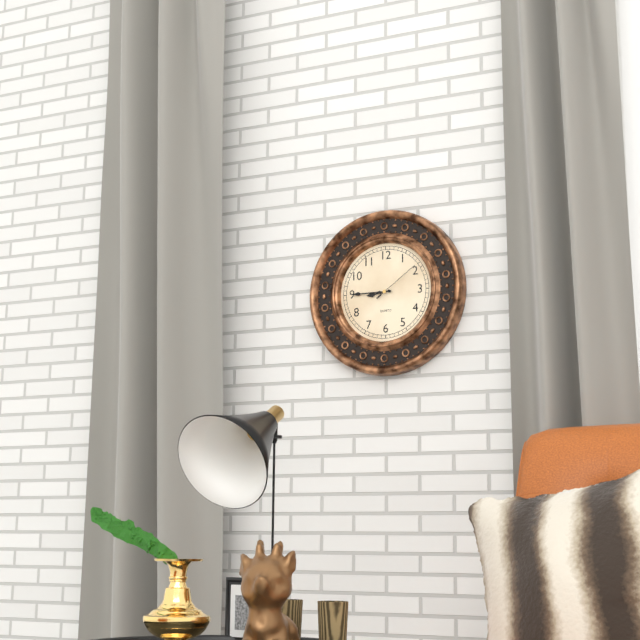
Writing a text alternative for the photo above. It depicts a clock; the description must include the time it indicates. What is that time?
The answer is 8:45
